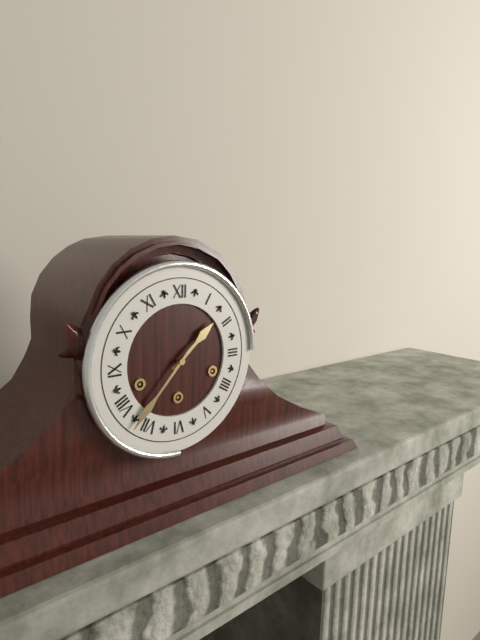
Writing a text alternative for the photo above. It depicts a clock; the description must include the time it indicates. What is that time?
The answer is 1:37
